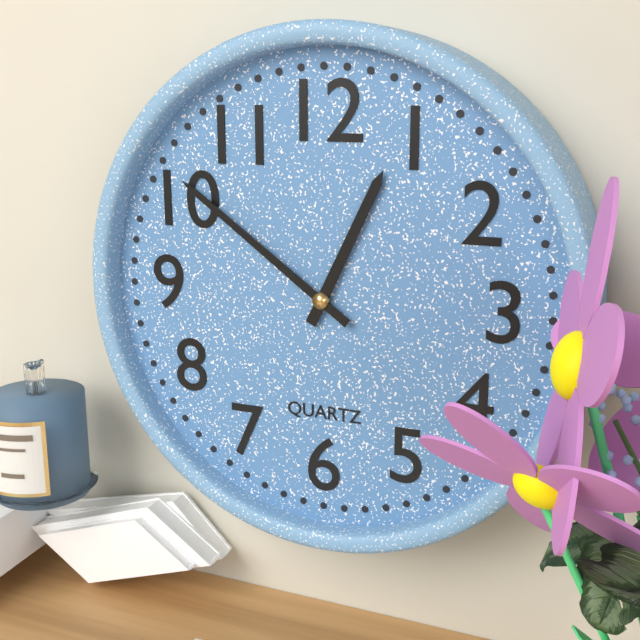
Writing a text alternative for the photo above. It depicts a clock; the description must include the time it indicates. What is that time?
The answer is 12:51
